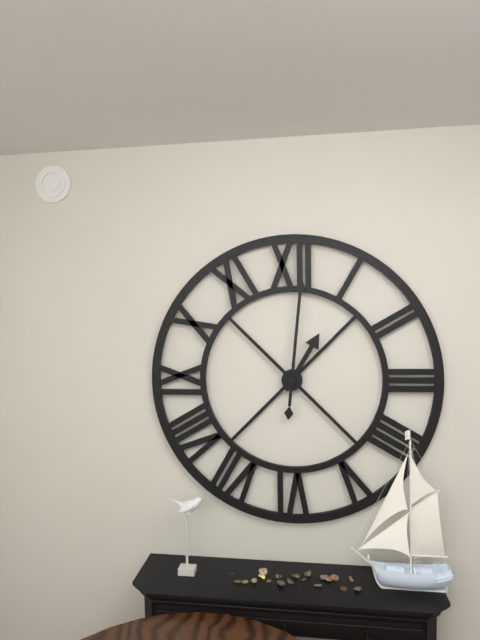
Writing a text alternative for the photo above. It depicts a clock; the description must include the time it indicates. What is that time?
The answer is 1:01
